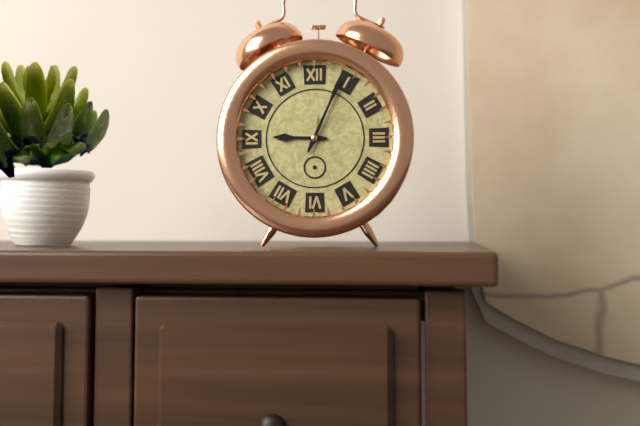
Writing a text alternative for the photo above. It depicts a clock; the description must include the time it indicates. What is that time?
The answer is 9:04
